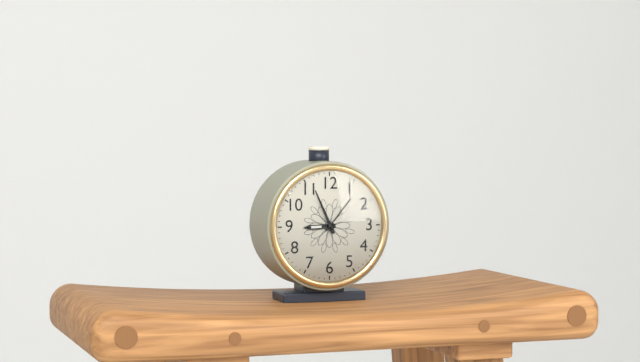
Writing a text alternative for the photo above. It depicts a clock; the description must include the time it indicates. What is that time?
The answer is 8:56
